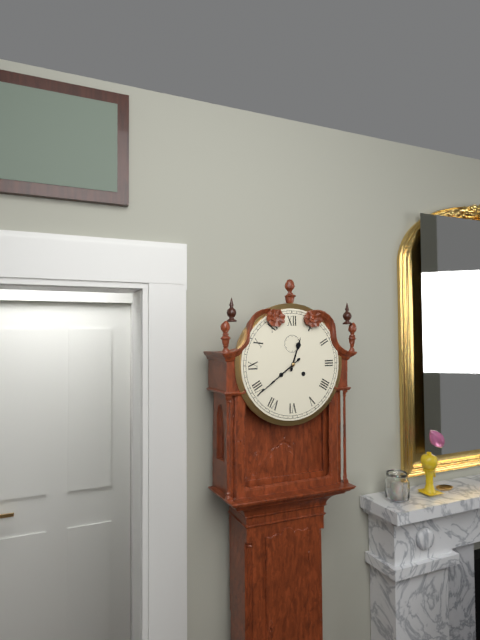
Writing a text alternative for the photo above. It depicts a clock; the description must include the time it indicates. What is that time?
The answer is 12:39
